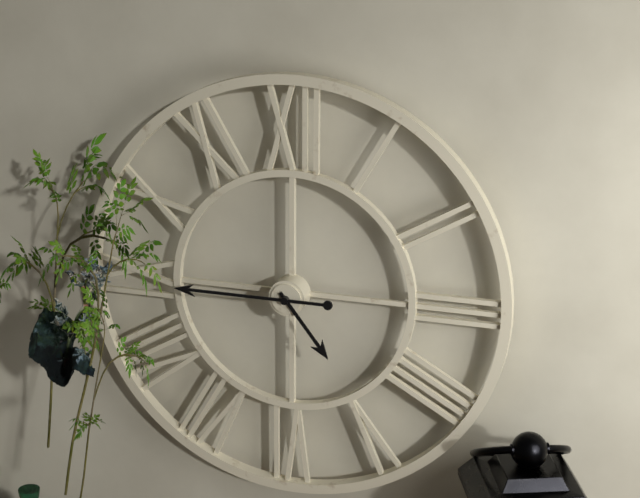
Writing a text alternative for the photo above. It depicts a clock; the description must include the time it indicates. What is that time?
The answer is 4:45
